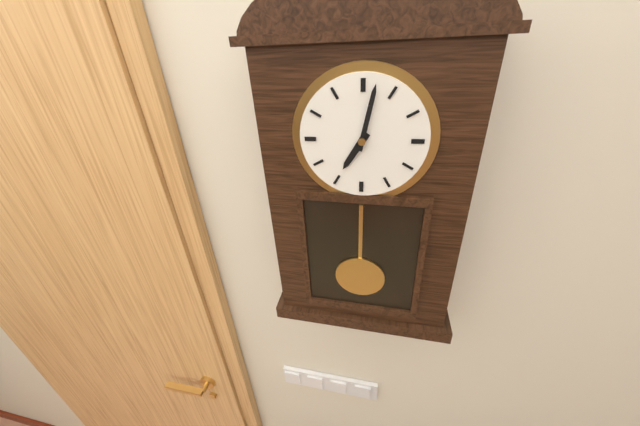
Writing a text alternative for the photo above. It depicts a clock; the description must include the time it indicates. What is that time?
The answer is 7:02
